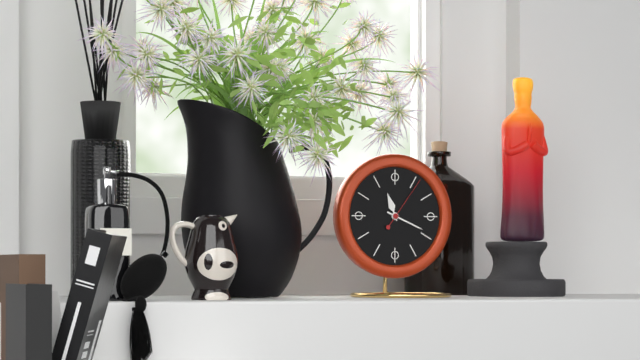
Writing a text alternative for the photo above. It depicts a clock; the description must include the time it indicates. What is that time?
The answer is 11:19:06
